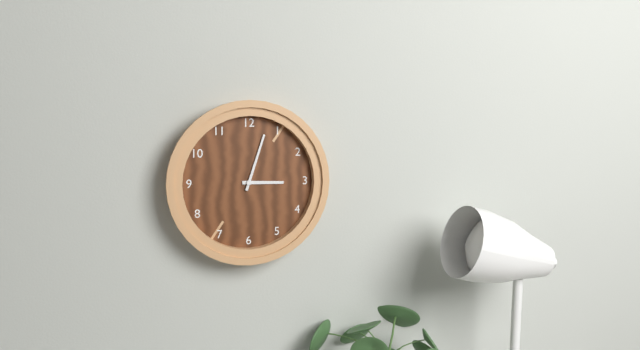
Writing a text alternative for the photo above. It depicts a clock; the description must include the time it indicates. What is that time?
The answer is 3:03
